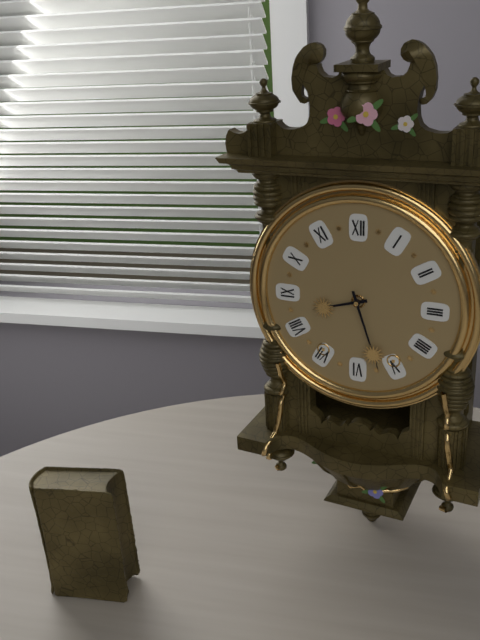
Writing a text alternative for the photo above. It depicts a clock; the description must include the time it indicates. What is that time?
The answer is 8:27
